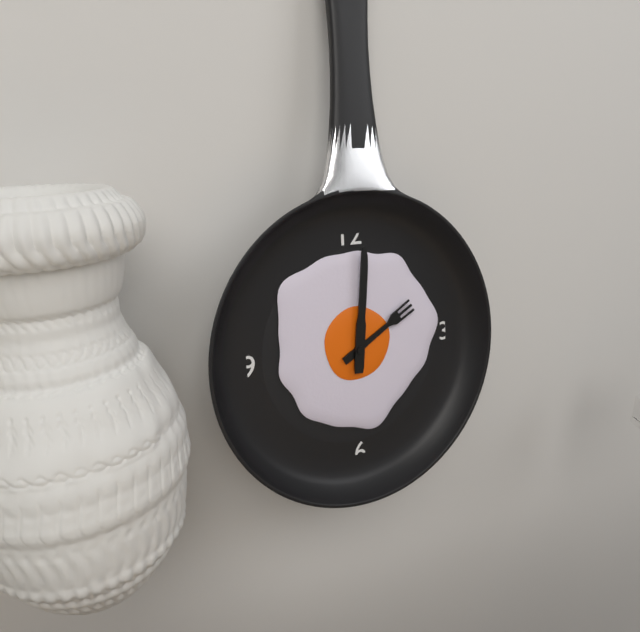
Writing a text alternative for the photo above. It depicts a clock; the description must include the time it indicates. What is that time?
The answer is 2:01
